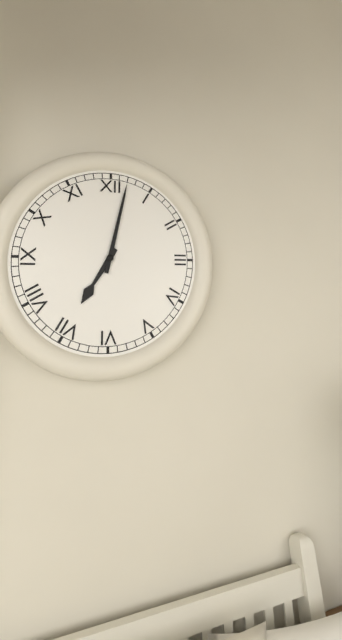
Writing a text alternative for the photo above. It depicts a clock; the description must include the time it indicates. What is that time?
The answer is 7:02
